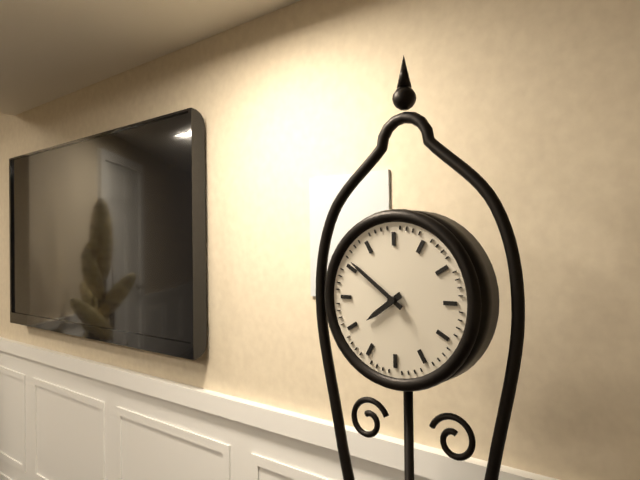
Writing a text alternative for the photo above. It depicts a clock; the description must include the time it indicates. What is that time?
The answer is 7:51
